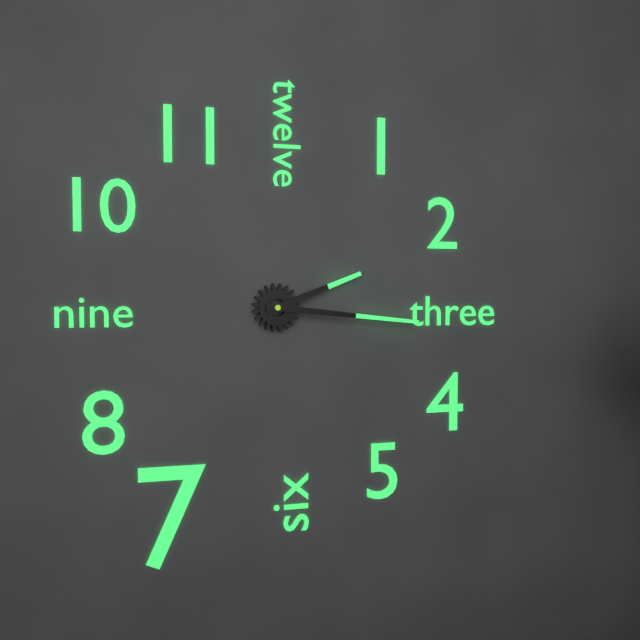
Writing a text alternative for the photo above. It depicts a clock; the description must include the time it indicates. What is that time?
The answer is 2:16
